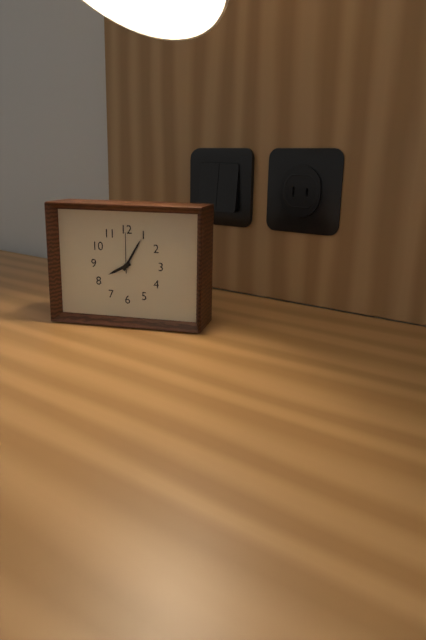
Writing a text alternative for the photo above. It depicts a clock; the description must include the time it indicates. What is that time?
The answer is 8:05
